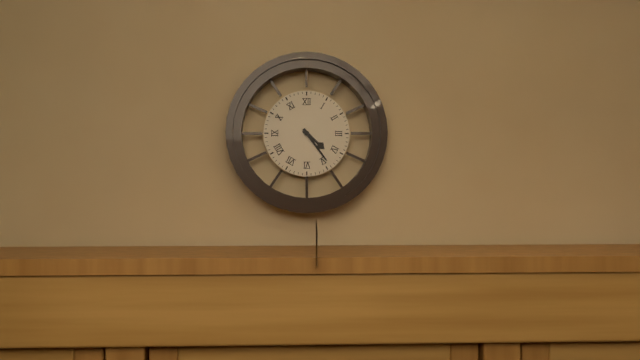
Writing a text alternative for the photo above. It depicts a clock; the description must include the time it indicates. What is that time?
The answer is 4:24
